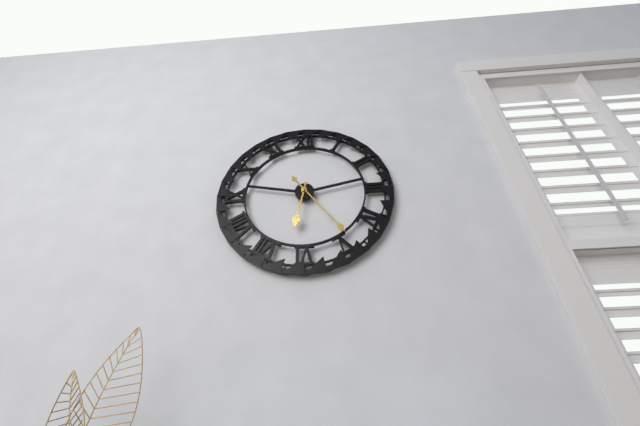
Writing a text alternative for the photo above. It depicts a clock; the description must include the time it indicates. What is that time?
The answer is 6:24
